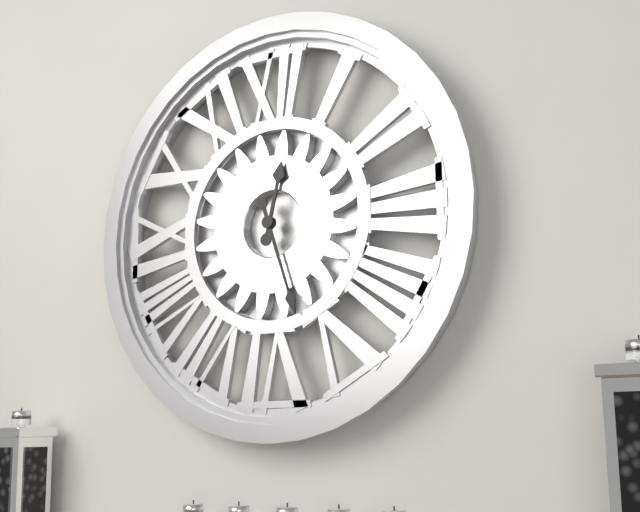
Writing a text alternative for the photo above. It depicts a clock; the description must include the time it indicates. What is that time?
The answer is 12:27
